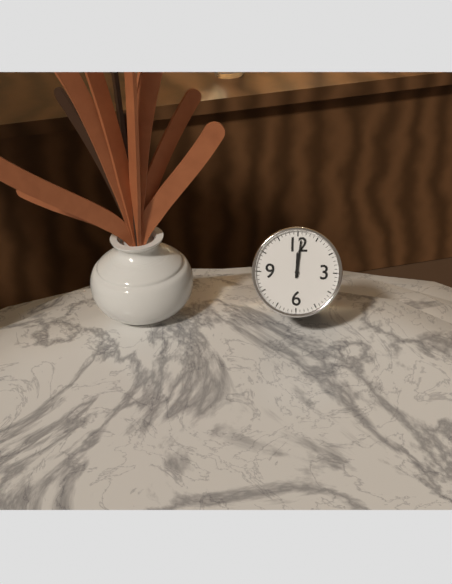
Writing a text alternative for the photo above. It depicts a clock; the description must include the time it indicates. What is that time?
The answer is 12:01
